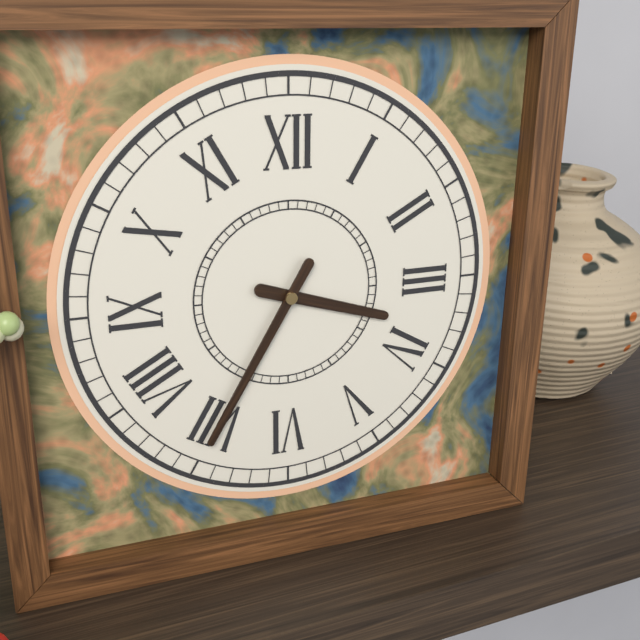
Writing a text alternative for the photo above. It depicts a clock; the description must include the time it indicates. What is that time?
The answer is 3:35
